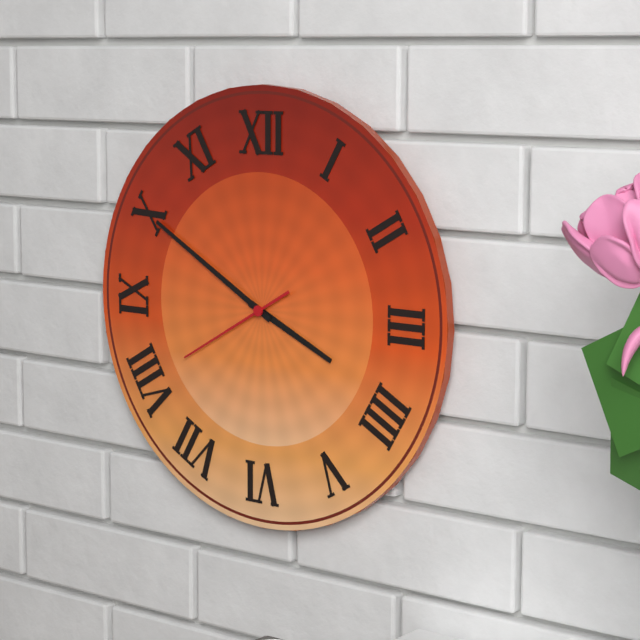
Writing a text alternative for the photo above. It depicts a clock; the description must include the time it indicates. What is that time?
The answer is 3:50:40
